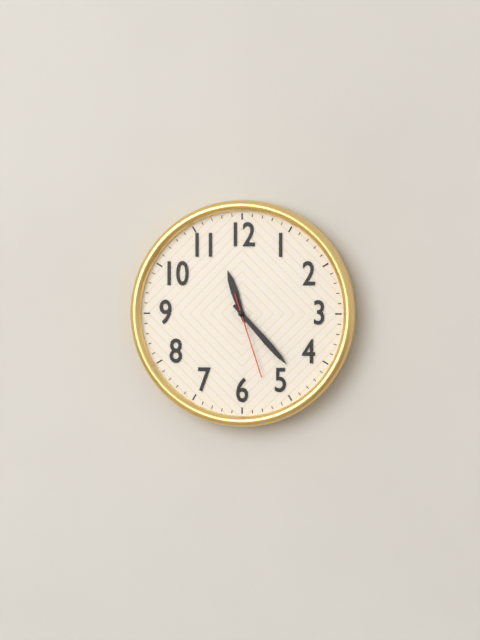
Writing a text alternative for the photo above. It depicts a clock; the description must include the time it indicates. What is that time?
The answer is 11:23:27
